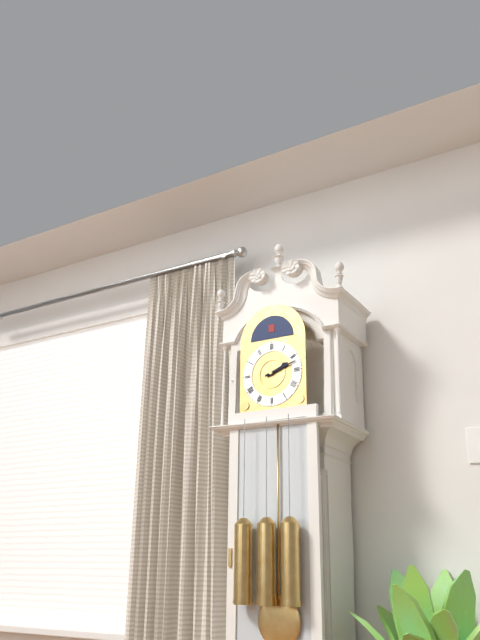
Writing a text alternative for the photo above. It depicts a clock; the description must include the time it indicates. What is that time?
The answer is 2:12
